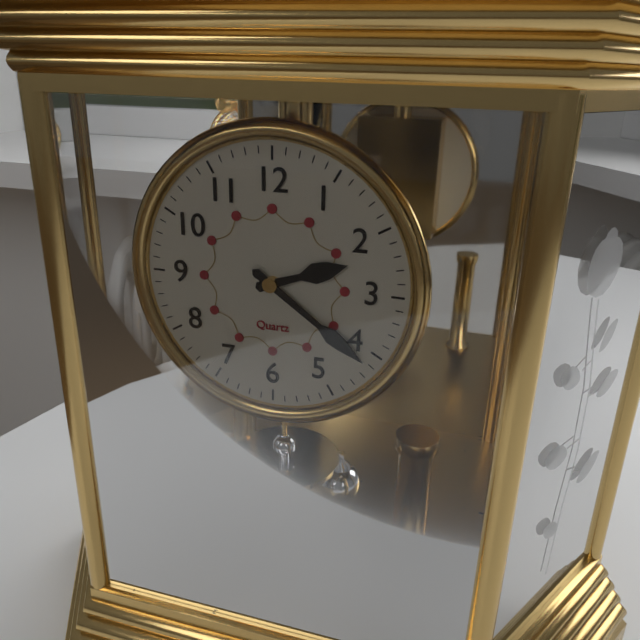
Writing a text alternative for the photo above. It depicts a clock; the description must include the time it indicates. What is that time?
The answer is 2:21
